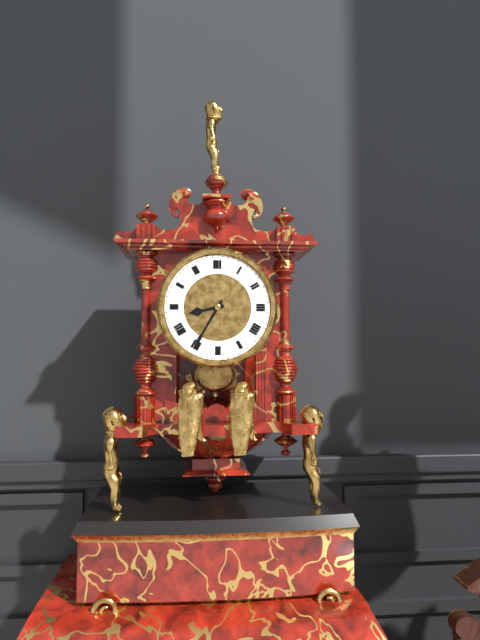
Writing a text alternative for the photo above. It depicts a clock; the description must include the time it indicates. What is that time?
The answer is 8:35
